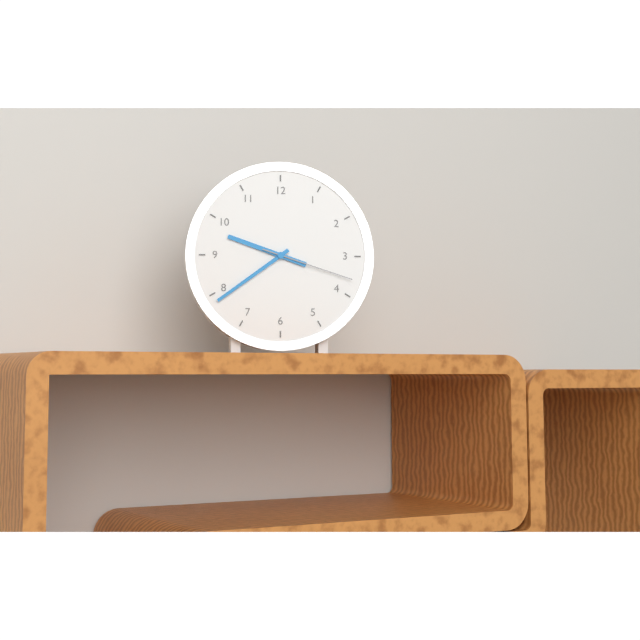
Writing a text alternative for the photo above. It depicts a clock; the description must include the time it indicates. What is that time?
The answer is 9:39:18
